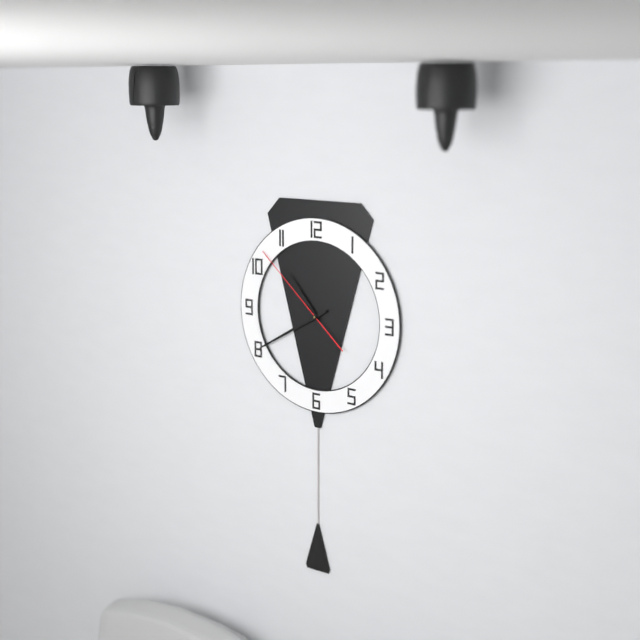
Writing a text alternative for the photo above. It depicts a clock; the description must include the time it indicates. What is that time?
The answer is 10:40:52
